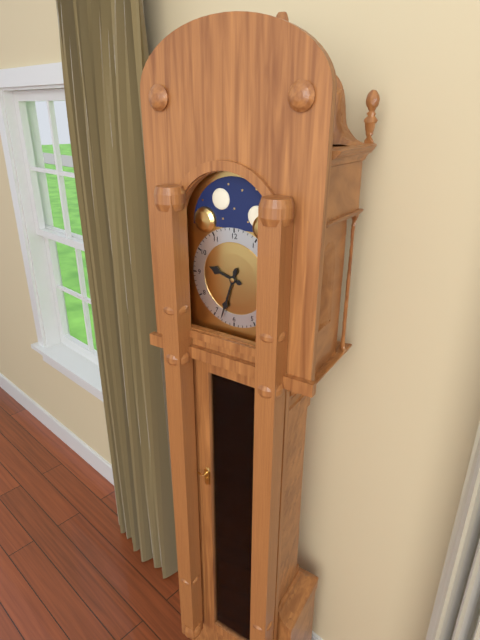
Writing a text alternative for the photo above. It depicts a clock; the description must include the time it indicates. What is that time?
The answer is 9:33
